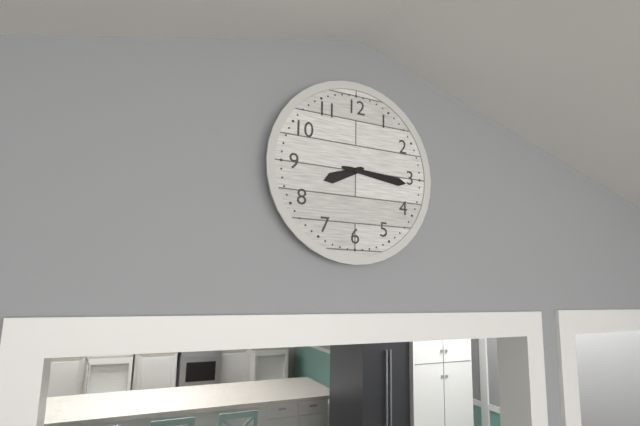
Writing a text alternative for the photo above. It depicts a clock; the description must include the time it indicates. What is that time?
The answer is 8:16
